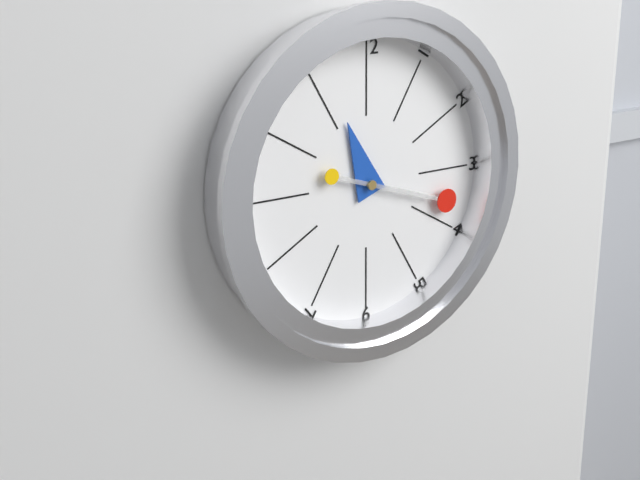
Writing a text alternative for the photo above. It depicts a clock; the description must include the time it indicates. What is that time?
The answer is 11:18
